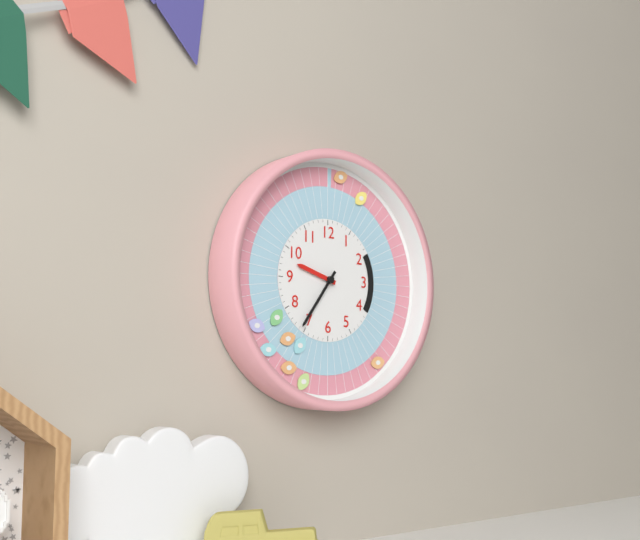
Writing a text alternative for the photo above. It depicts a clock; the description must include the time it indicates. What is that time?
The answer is 9:36
